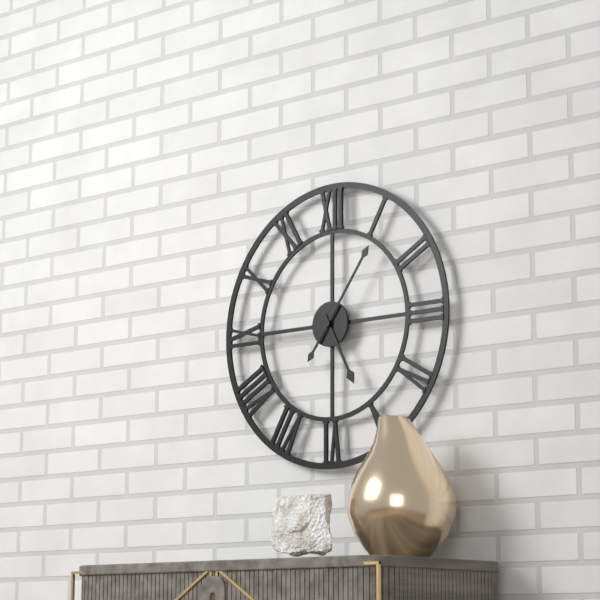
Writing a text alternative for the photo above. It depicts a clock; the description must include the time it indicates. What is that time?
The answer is 5:06
